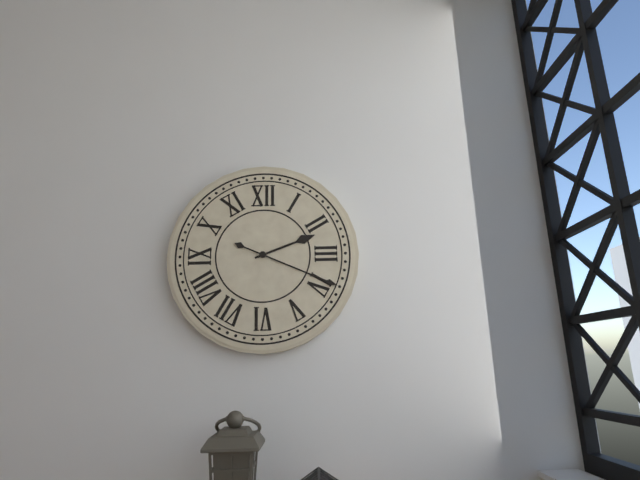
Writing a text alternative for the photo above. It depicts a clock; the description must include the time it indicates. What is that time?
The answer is 2:19
